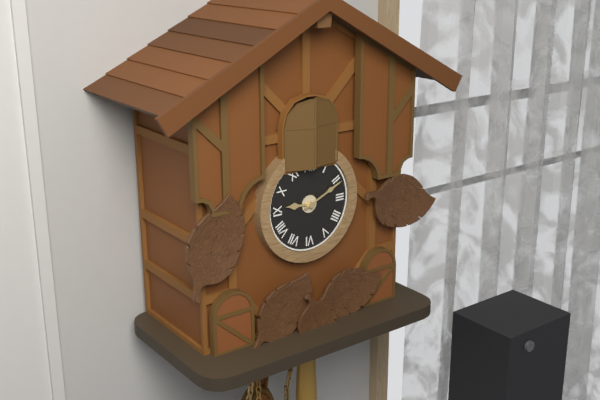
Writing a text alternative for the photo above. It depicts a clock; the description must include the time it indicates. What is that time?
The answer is 9:11
